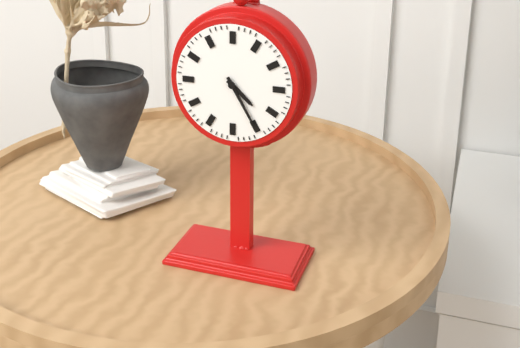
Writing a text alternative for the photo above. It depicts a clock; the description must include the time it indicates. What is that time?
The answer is 4:25
